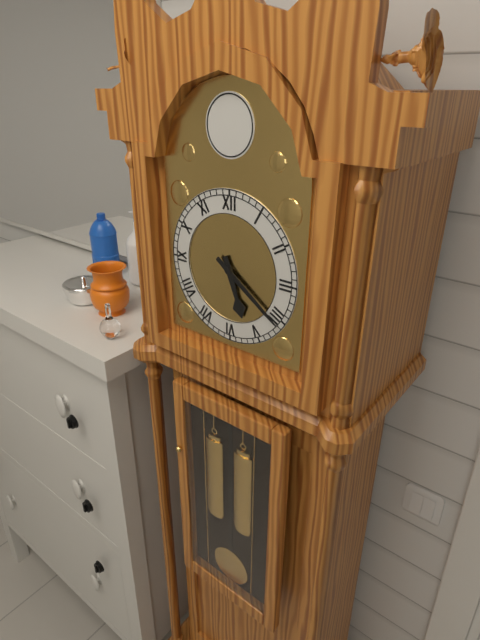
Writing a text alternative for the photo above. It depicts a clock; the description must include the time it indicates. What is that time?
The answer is 5:21
